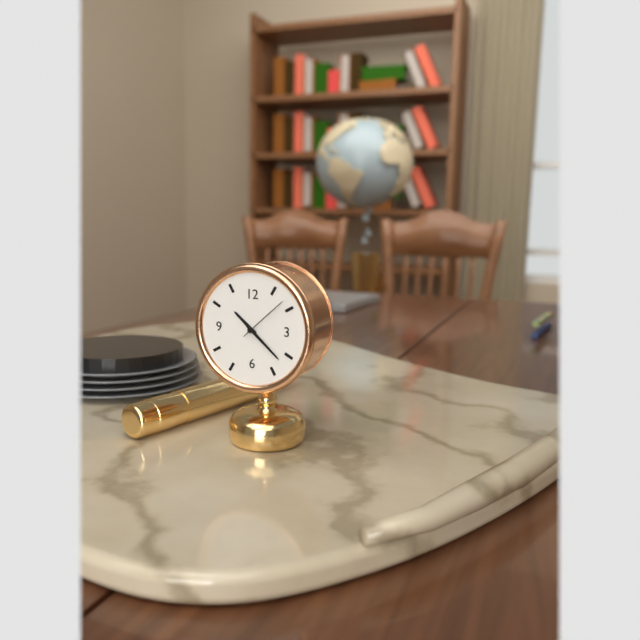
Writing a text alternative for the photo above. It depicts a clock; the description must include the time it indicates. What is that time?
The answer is 10:22:08
